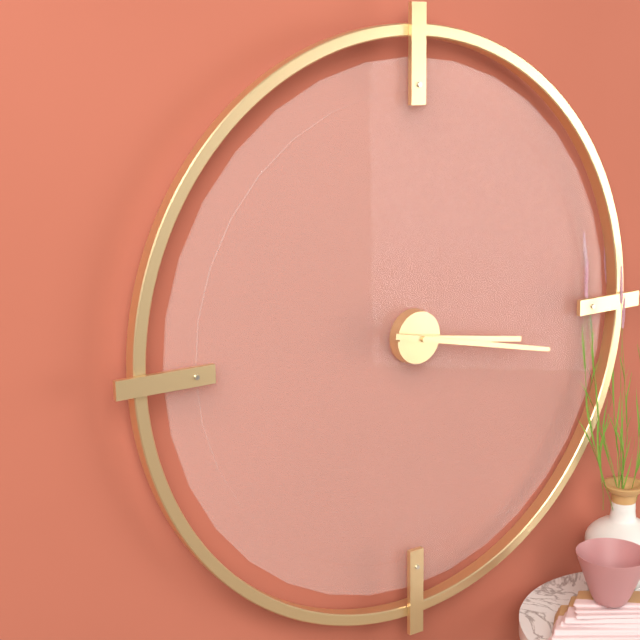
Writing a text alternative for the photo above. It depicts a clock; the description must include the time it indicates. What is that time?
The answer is 3:17
